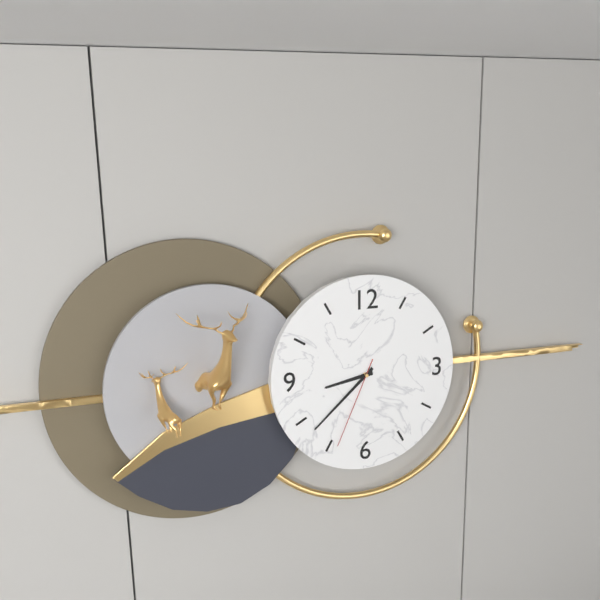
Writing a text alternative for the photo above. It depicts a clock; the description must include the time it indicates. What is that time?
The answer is 8:38:34
